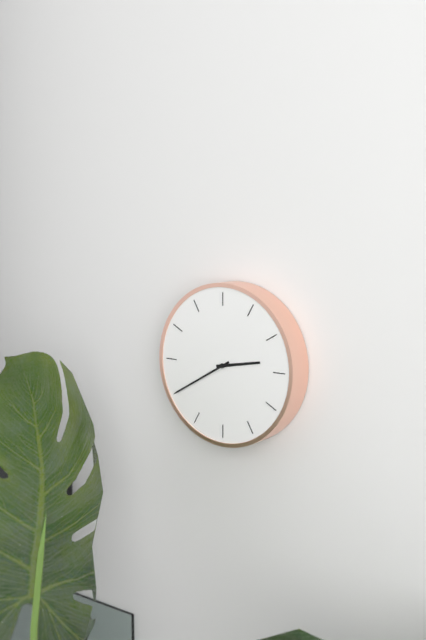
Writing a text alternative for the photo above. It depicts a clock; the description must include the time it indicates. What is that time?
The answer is 2:40
